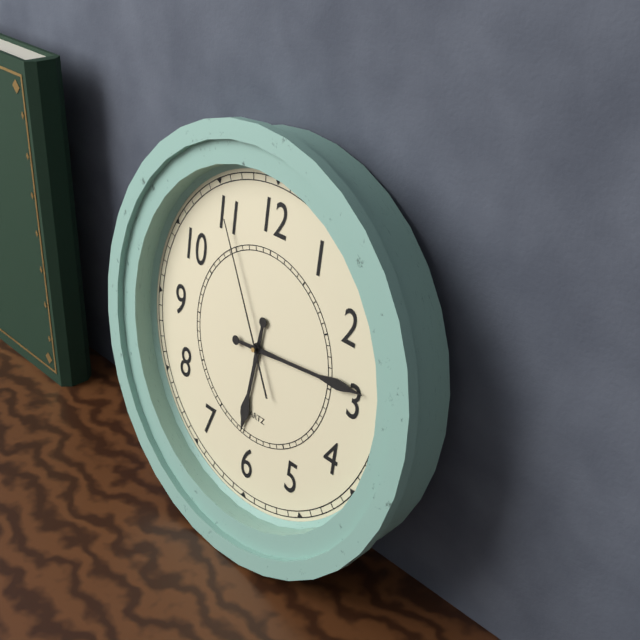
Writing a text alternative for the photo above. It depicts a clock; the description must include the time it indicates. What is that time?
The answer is 6:14:55
